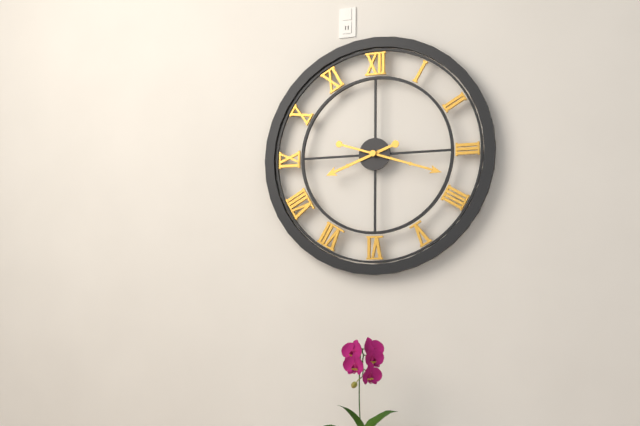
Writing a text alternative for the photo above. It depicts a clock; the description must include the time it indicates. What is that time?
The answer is 8:18
